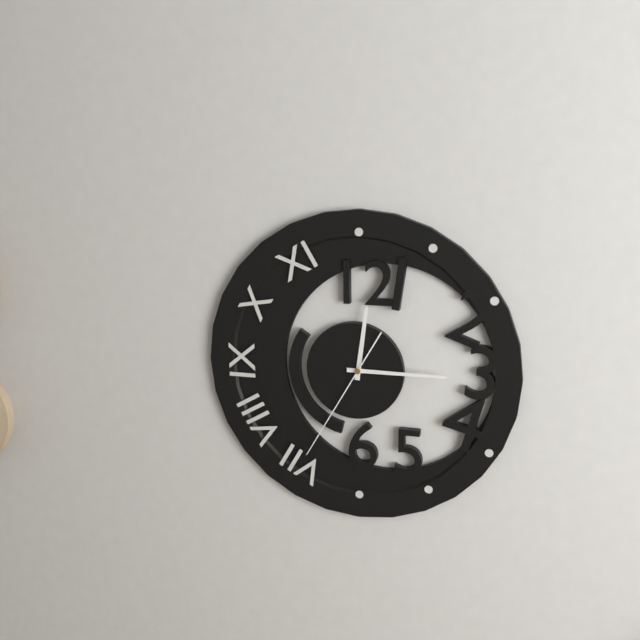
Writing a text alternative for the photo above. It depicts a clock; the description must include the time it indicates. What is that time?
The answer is 12:15:35
